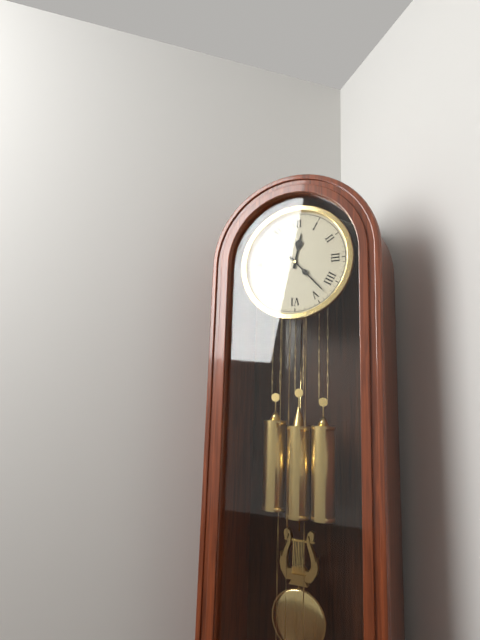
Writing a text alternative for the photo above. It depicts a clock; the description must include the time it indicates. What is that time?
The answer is 12:23
